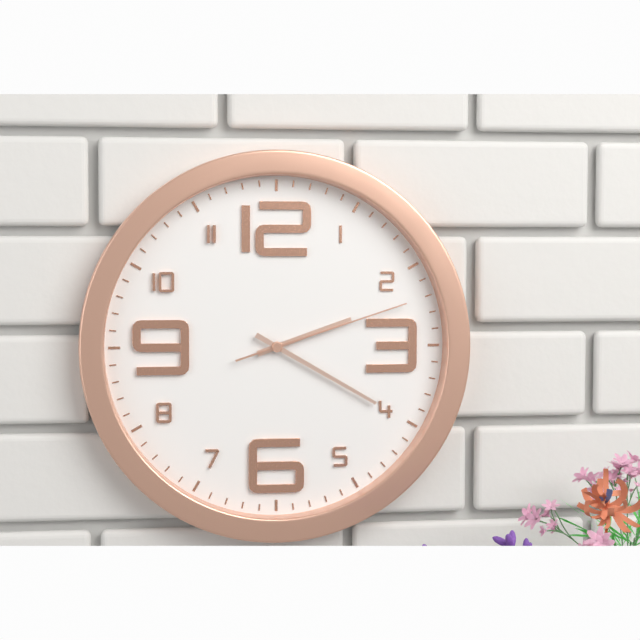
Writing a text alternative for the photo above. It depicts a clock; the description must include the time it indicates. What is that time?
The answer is 2:20:12
